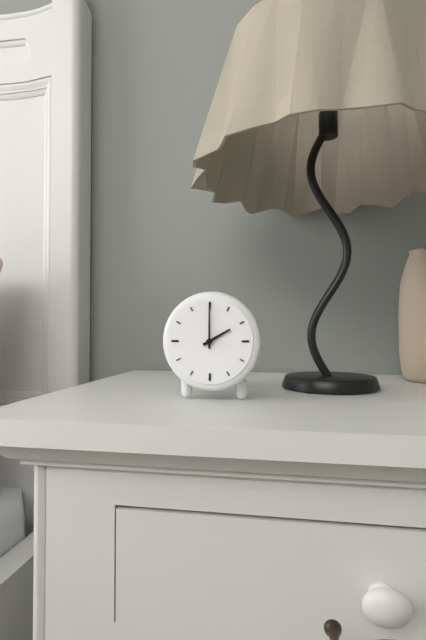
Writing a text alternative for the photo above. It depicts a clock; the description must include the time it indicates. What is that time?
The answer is 2:00
